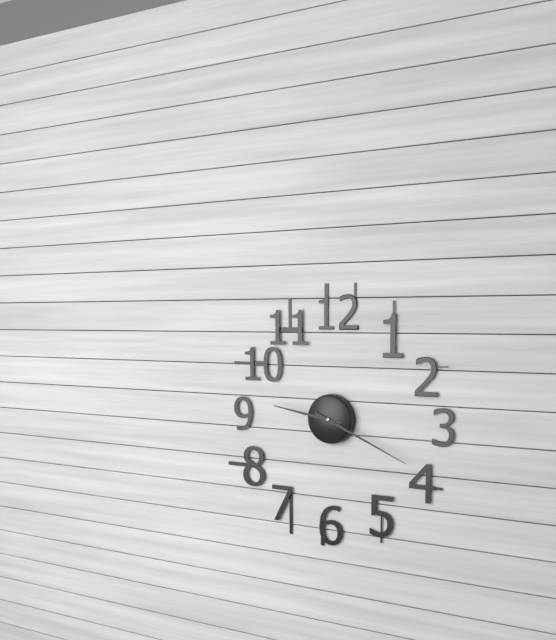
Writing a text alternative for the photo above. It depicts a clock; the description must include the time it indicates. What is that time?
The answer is 9:19
